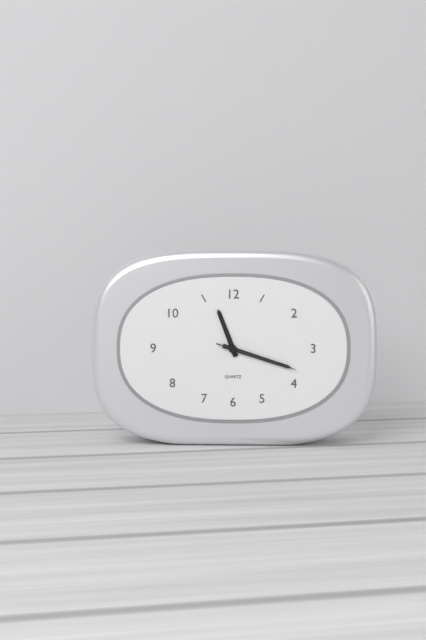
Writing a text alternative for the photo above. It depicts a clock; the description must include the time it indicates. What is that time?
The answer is 11:18:18
